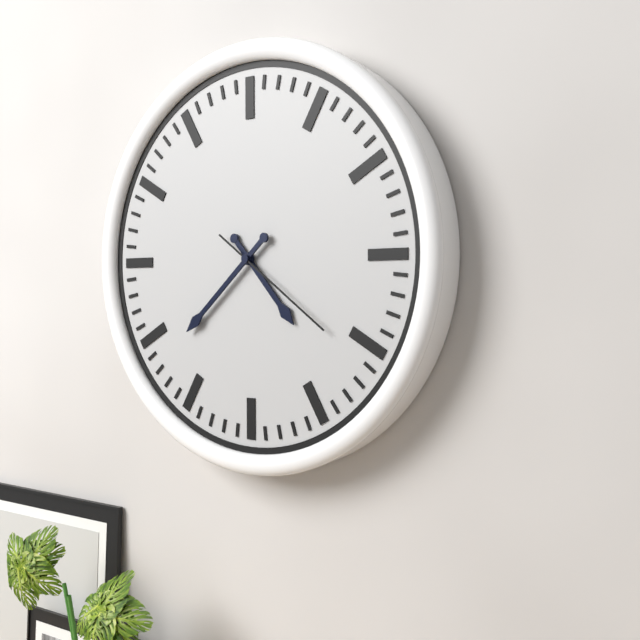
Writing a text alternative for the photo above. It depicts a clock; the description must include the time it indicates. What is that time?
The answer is 4:38:21
